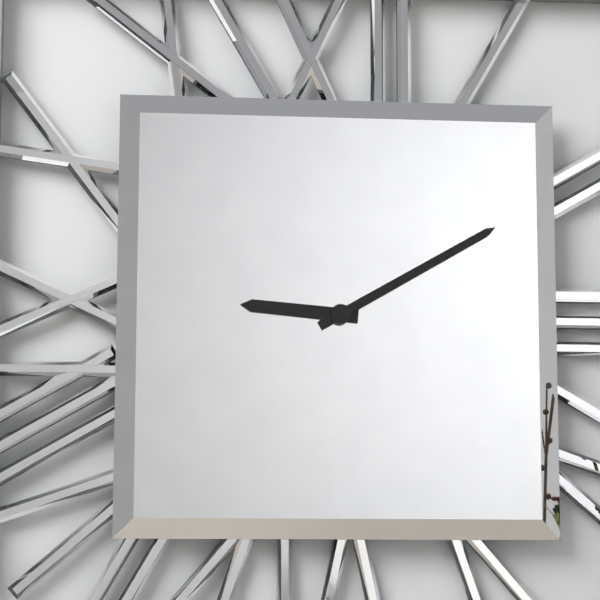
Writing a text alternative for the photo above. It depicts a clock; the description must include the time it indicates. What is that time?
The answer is 9:10
